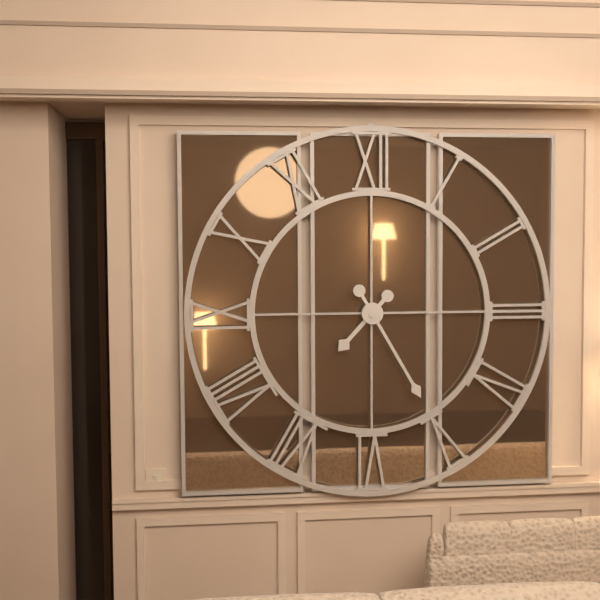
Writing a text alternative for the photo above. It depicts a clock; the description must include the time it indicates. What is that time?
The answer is 7:25
